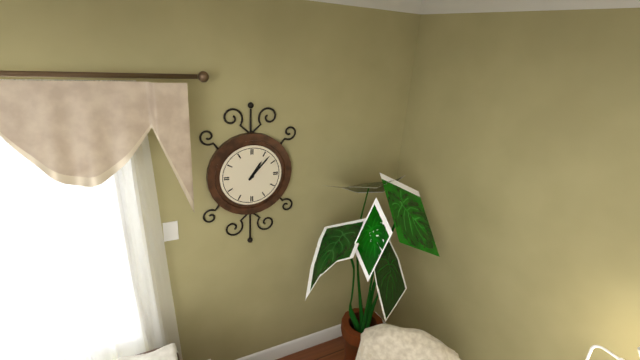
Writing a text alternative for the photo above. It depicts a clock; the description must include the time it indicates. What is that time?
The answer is 1:07
